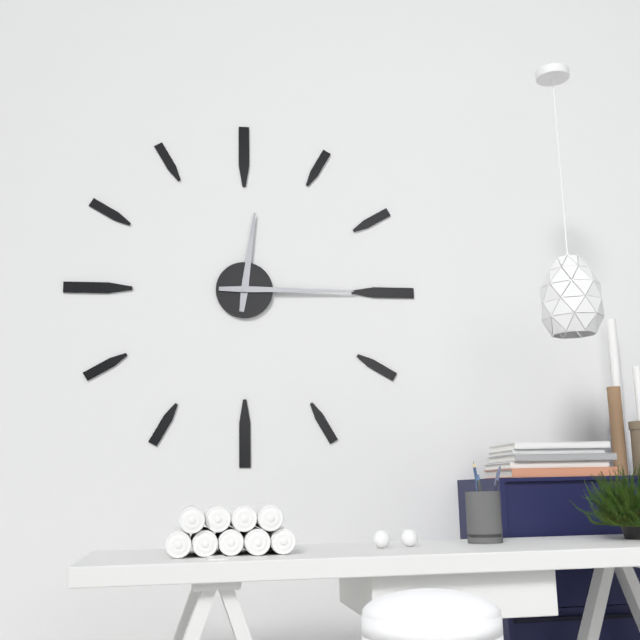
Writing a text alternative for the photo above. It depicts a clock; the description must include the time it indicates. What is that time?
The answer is 12:15
